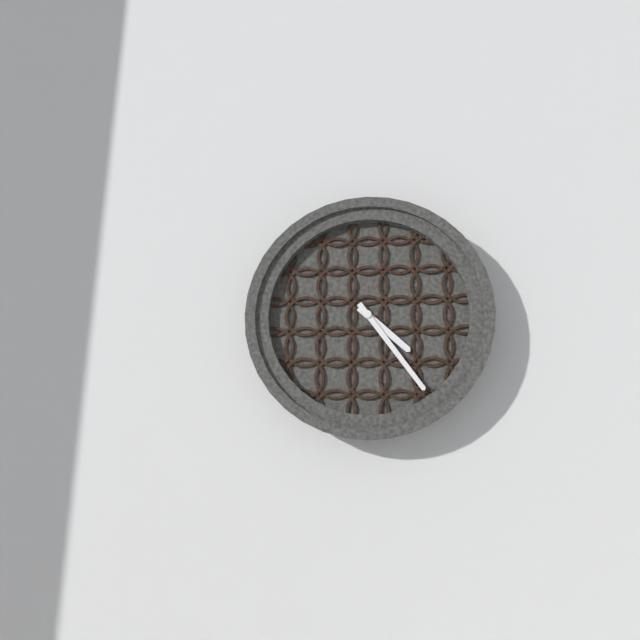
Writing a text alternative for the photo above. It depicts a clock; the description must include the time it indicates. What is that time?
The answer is 4:24
